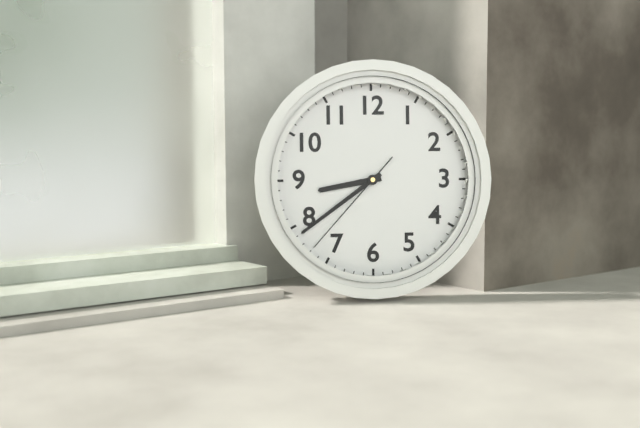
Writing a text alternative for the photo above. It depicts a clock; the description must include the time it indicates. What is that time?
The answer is 8:39:37
